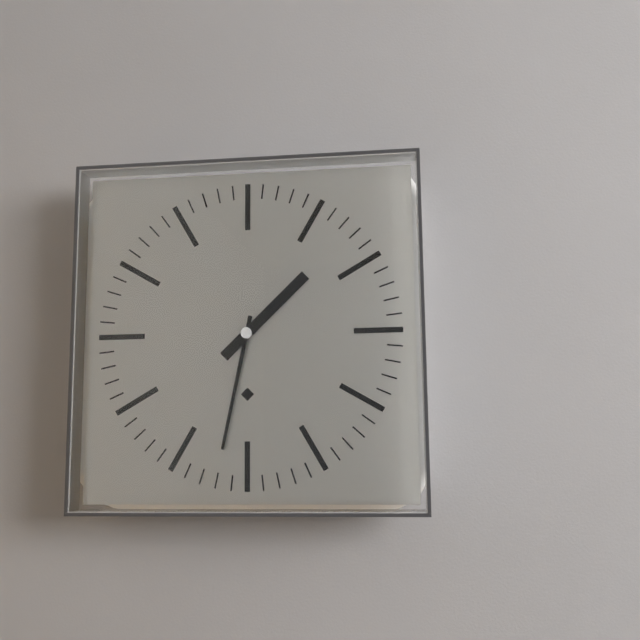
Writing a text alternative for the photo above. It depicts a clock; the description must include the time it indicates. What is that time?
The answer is 1:32
